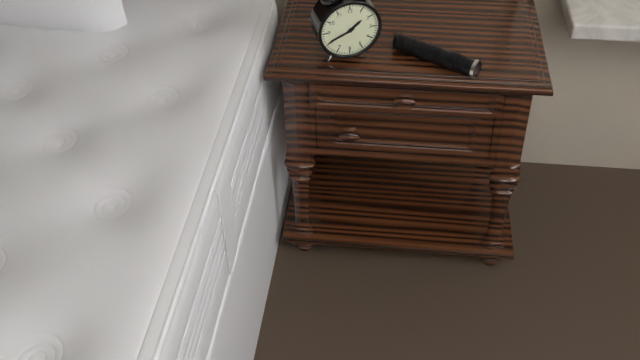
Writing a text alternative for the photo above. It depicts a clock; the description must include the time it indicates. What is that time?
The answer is 1:41
